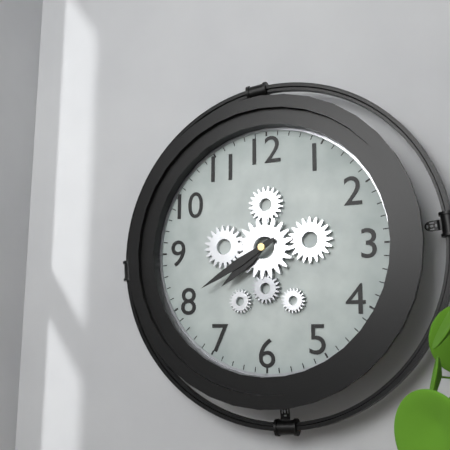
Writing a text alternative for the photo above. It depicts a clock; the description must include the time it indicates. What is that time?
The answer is 7:40
